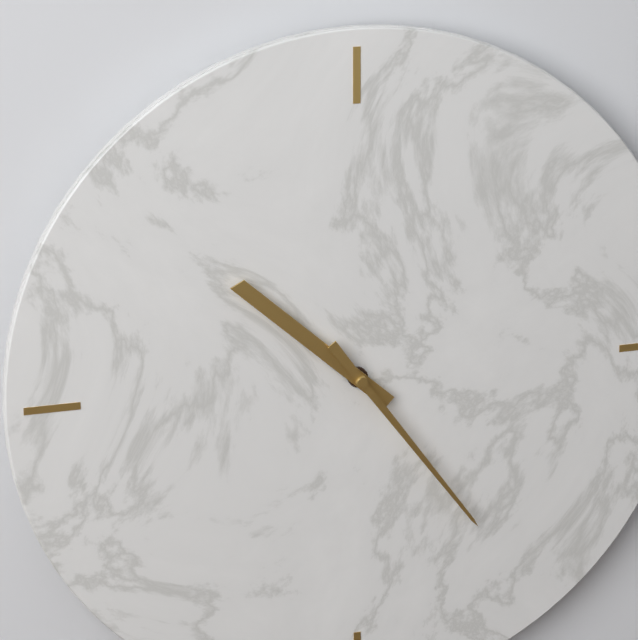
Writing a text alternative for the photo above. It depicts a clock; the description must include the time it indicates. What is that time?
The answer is 10:24
